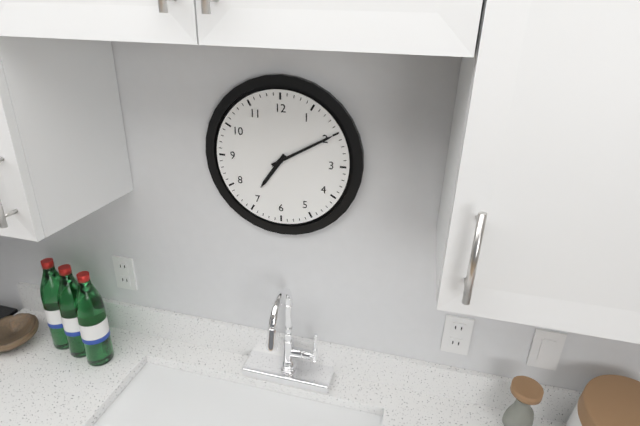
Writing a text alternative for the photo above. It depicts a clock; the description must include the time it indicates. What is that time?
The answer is 7:10
